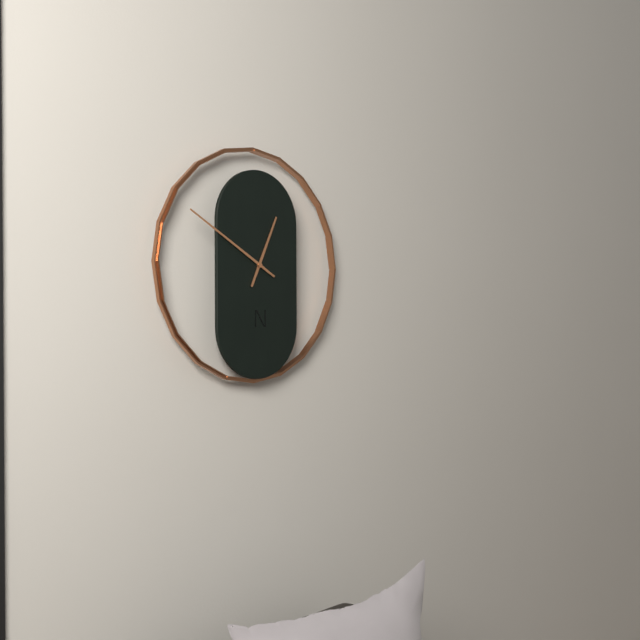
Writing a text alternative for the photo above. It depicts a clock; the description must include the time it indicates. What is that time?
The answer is 12:50
